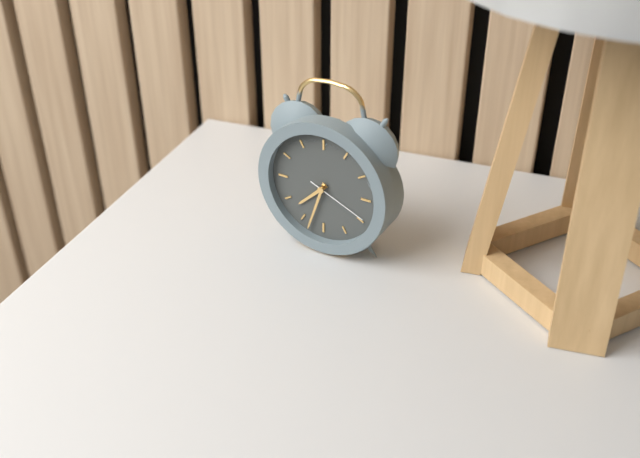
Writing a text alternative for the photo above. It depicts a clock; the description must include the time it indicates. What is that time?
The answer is 7:33:19
